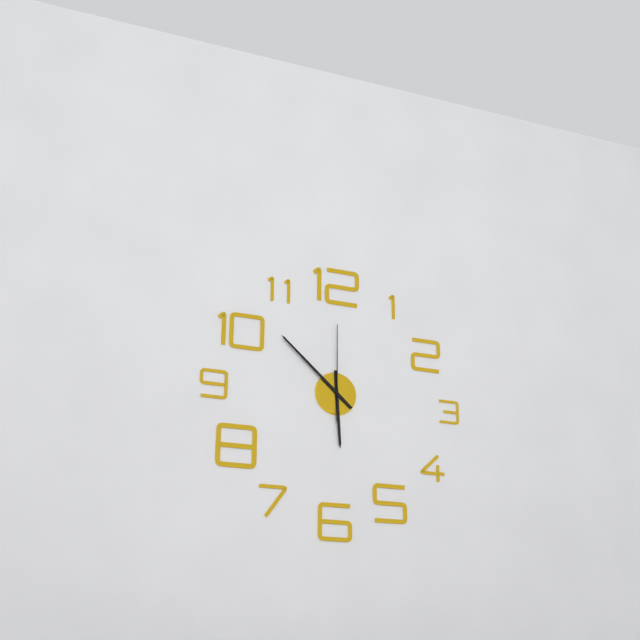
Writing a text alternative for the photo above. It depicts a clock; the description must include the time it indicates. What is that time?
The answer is 5:52:00
